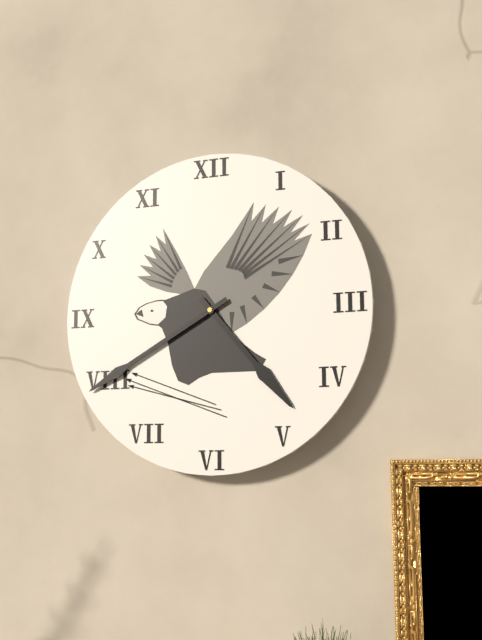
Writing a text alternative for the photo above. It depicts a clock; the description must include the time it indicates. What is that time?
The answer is 4:40
